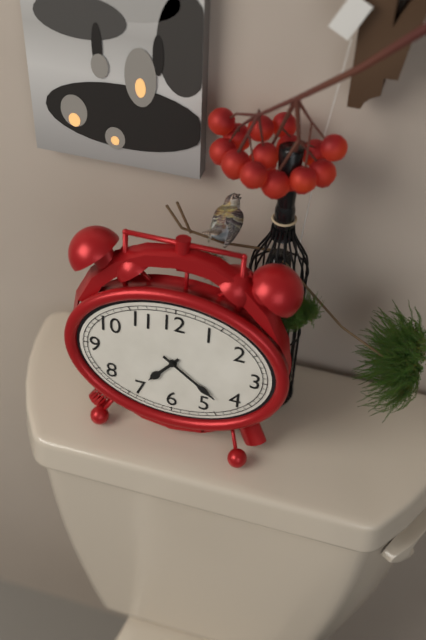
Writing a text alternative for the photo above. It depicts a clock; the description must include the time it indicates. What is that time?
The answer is 7:21
